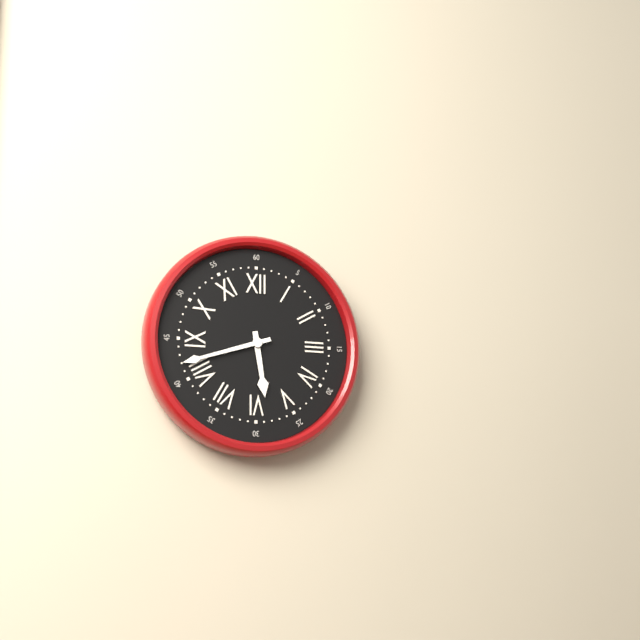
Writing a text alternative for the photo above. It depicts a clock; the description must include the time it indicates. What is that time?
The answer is 5:42
